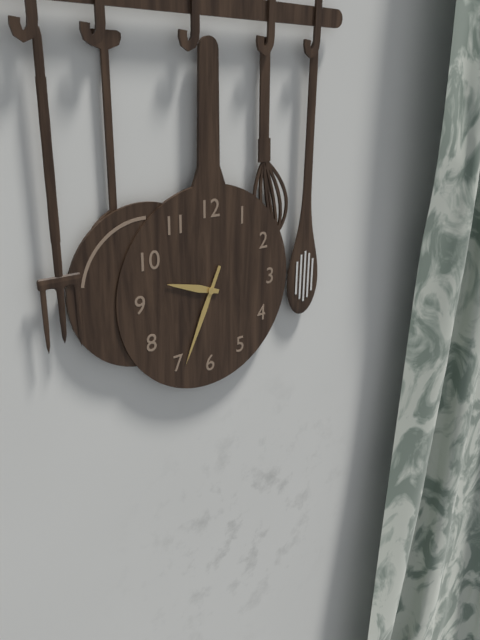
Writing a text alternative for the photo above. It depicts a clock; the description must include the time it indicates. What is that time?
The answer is 9:34
